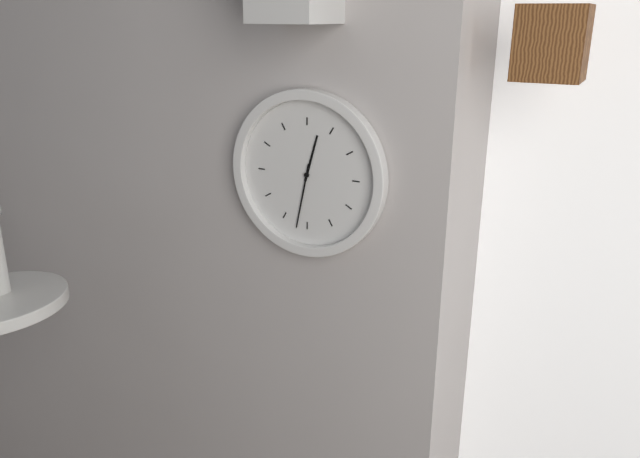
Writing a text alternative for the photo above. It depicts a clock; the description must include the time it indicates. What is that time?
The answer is 12:32
